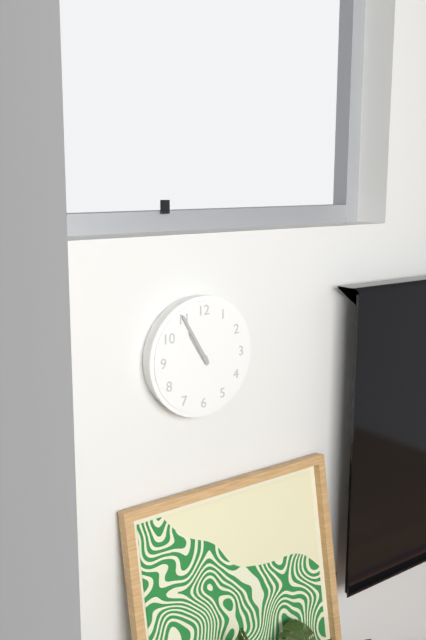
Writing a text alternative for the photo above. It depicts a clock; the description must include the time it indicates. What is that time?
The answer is 10:55
